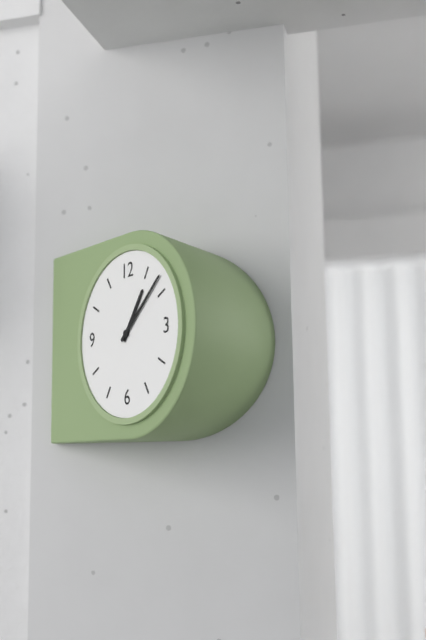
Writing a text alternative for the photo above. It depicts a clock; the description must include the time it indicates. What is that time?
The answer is 1:08
